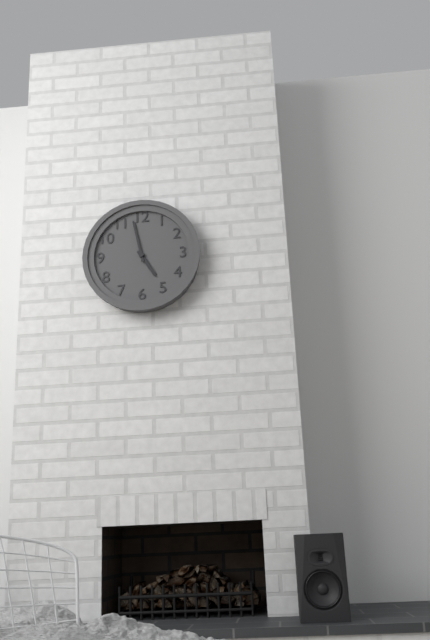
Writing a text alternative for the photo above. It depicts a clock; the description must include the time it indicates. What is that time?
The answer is 4:58
